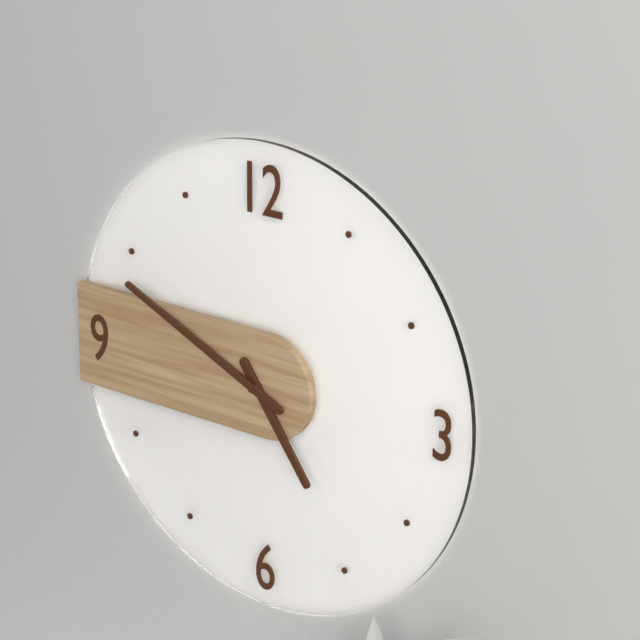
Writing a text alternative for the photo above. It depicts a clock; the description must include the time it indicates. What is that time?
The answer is 4:49
